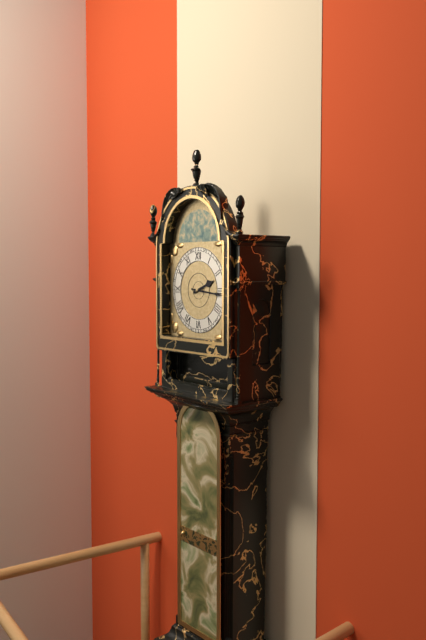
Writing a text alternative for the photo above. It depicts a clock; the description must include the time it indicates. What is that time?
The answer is 2:16
